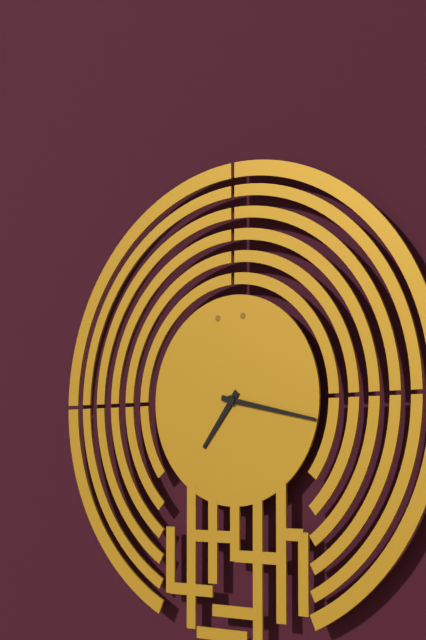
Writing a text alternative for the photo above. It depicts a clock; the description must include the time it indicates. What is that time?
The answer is 7:17
